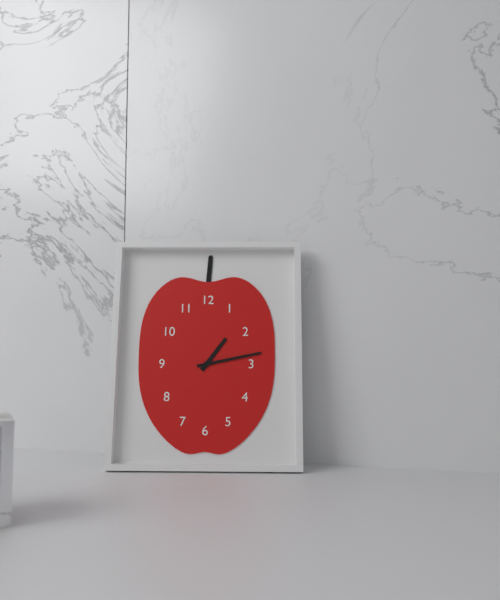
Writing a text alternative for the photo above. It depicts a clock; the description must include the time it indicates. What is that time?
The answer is 1:13
